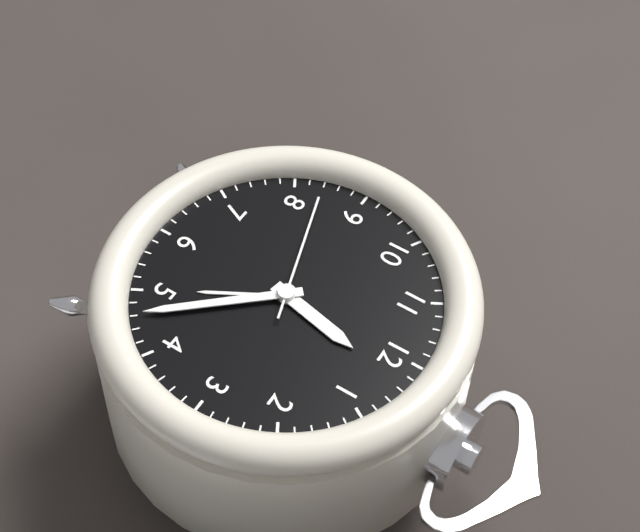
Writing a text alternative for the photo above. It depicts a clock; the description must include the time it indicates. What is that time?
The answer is 12:23:42
